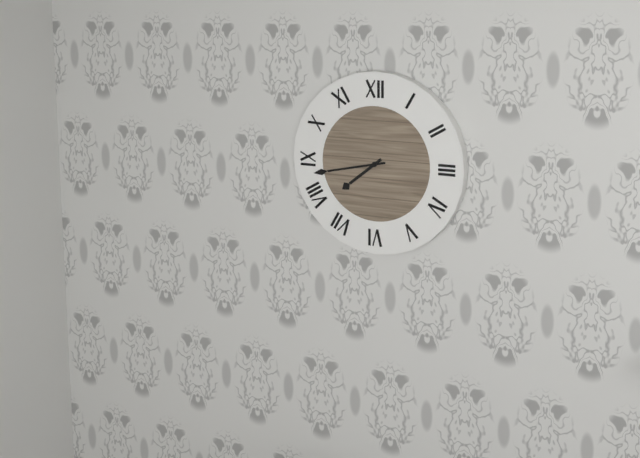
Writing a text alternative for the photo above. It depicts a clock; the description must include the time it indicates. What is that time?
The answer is 7:43
